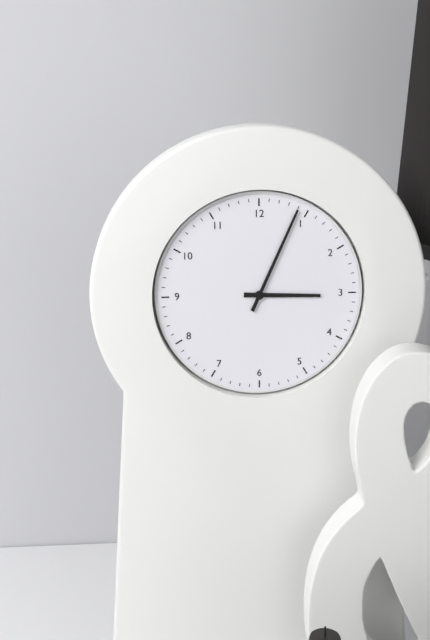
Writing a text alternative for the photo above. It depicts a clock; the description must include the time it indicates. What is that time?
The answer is 3:04
